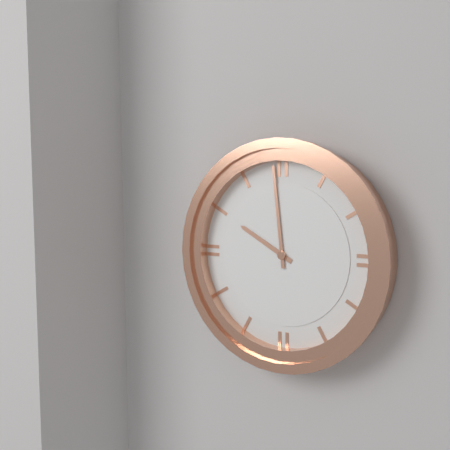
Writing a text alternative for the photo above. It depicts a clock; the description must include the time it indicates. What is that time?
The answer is 9:59
